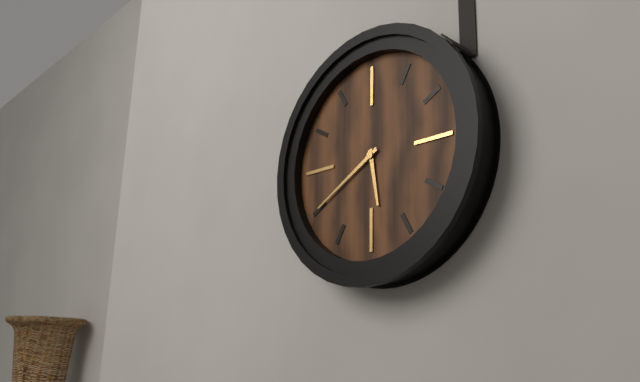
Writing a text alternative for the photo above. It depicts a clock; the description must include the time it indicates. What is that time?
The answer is 5:40
